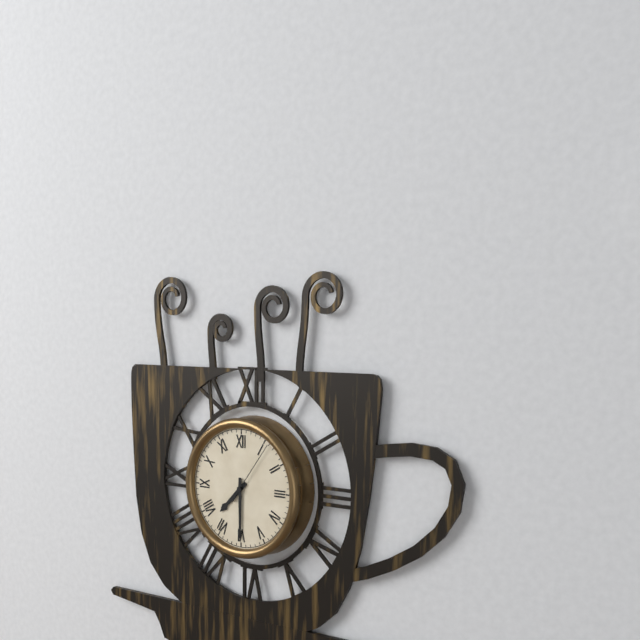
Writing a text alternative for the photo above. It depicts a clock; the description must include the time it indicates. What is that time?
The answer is 7:30:06
